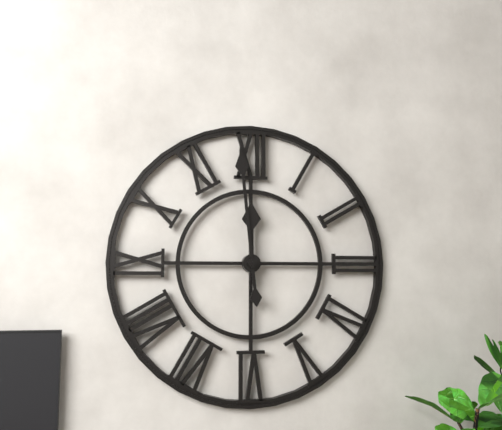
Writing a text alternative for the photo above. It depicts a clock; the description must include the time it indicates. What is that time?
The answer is 11:59
